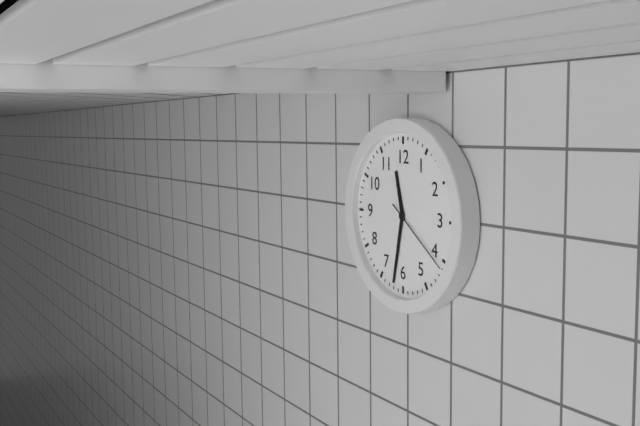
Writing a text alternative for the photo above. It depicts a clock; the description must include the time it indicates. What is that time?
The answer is 11:32:21
